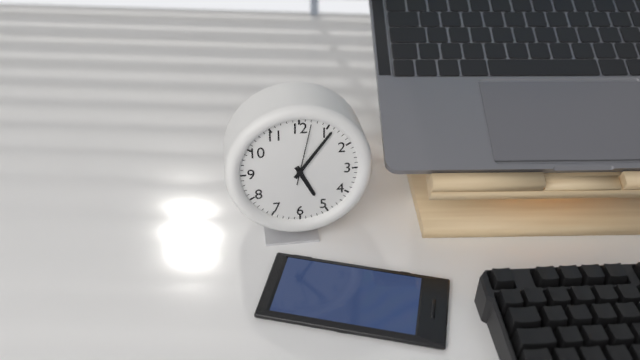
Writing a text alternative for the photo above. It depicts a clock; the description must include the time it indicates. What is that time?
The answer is 5:06:02
